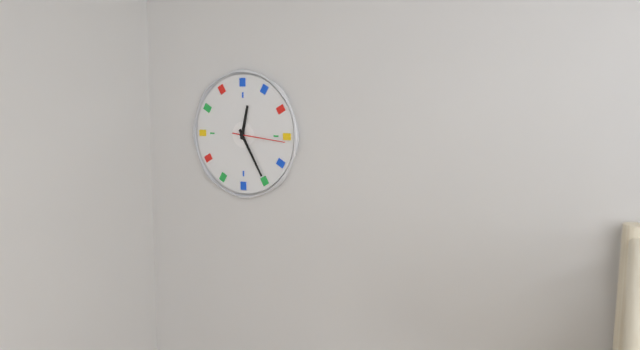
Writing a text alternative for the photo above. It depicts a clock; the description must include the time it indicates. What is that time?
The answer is 12:25:16
